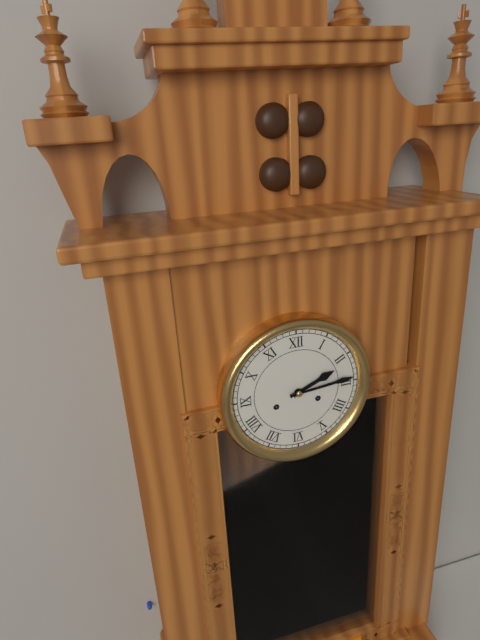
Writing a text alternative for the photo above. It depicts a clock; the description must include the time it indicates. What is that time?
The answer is 2:14
